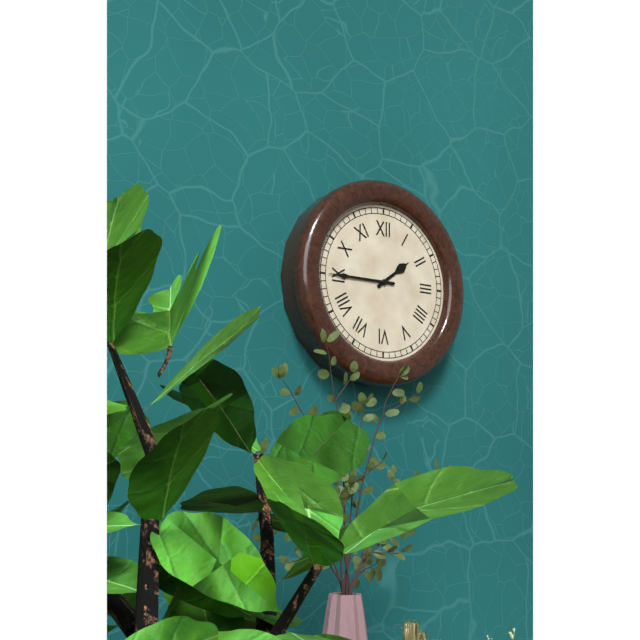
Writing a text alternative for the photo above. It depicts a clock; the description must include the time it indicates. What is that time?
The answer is 1:45
